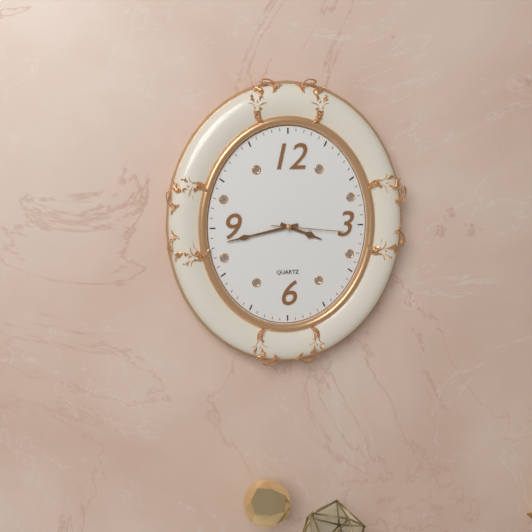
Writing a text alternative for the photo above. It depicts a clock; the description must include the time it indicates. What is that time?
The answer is 3:43:16
